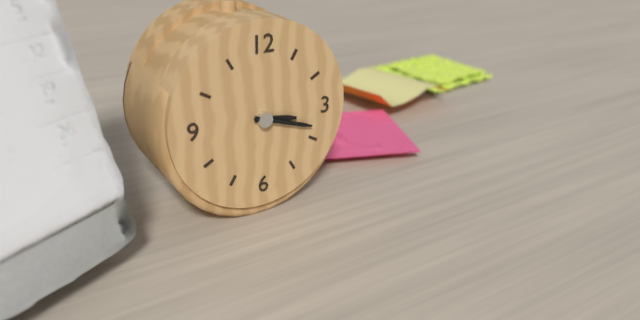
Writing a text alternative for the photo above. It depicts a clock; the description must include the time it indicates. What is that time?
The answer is 3:18
